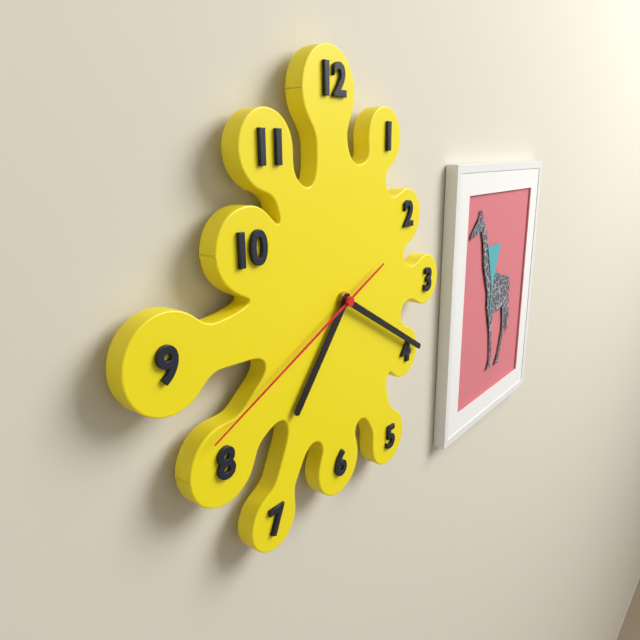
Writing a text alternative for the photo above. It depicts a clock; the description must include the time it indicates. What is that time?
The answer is 7:20:41
